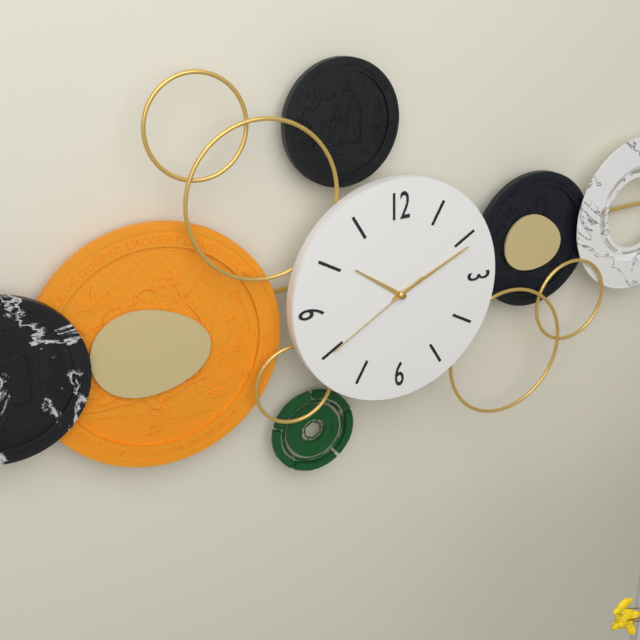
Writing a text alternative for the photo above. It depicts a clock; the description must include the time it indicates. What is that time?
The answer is 10:11:40
